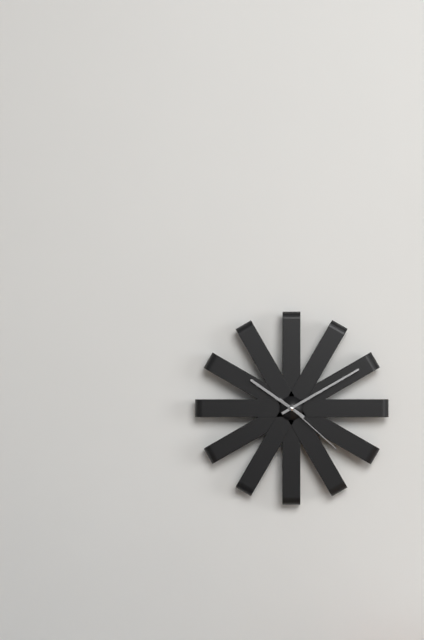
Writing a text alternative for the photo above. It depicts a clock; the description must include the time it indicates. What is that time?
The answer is 10:10:22
